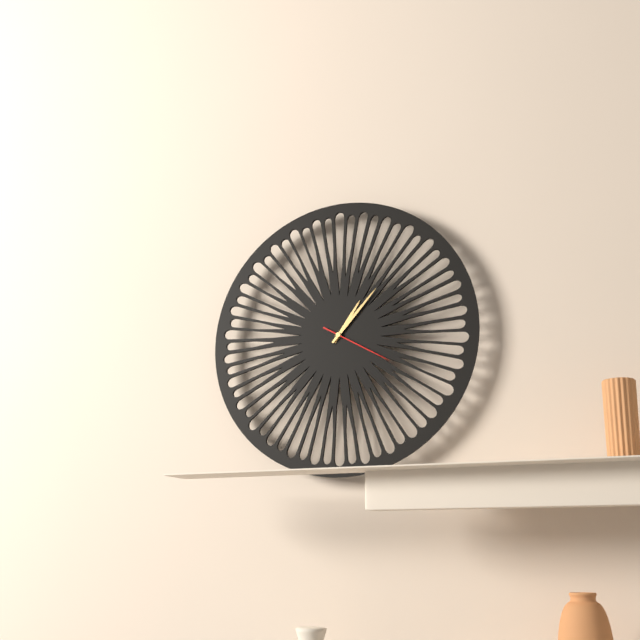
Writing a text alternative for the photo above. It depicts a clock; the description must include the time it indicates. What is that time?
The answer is 1:07:20
